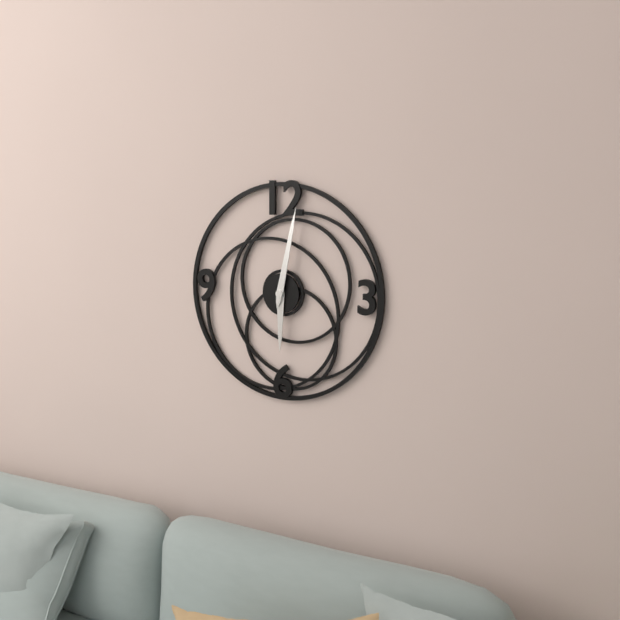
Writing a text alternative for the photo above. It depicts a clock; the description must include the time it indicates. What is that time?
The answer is 6:02
